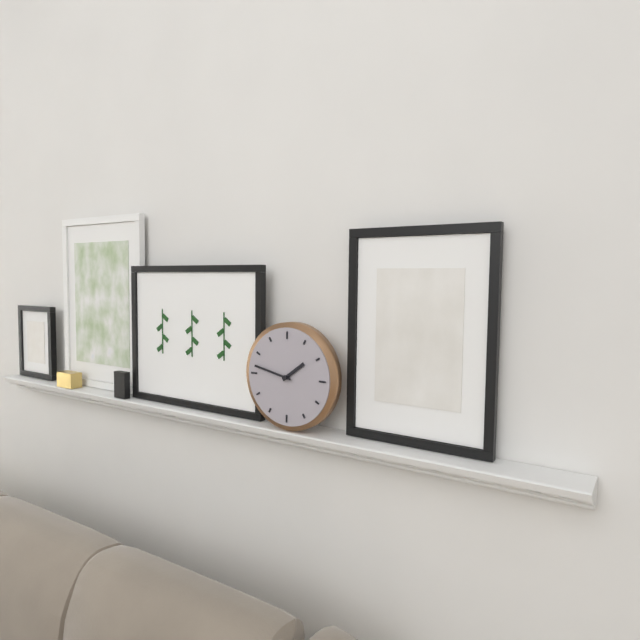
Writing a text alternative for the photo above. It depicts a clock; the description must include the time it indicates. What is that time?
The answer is 1:47
